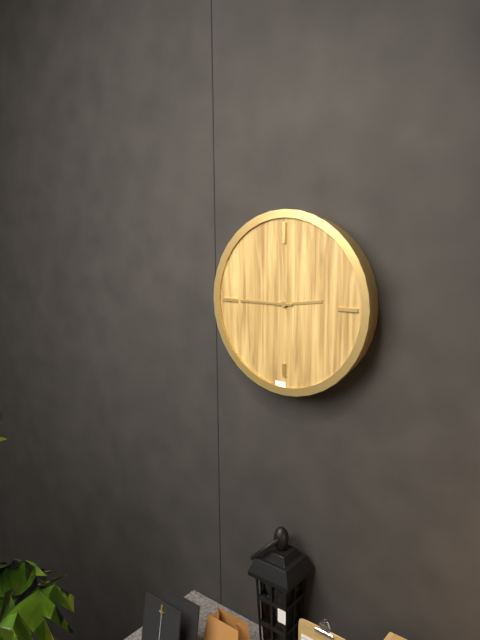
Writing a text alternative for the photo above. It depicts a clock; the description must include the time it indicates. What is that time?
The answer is 2:45
